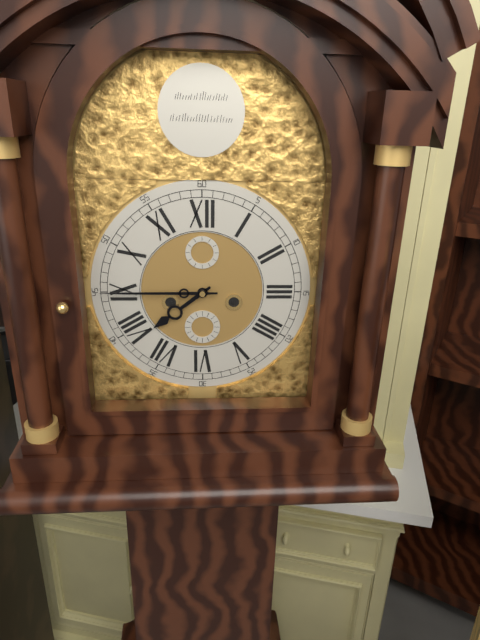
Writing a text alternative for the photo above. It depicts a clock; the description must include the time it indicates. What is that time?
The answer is 7:45
